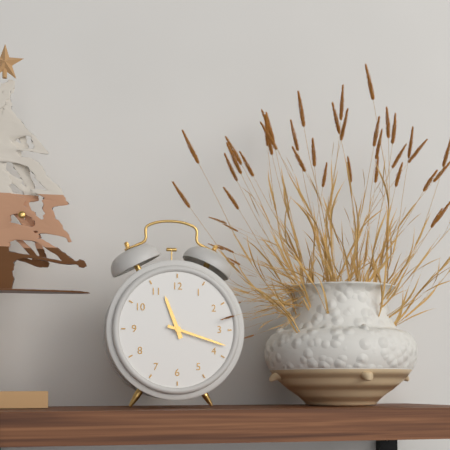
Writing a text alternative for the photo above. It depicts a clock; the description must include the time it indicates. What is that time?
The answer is 11:18
